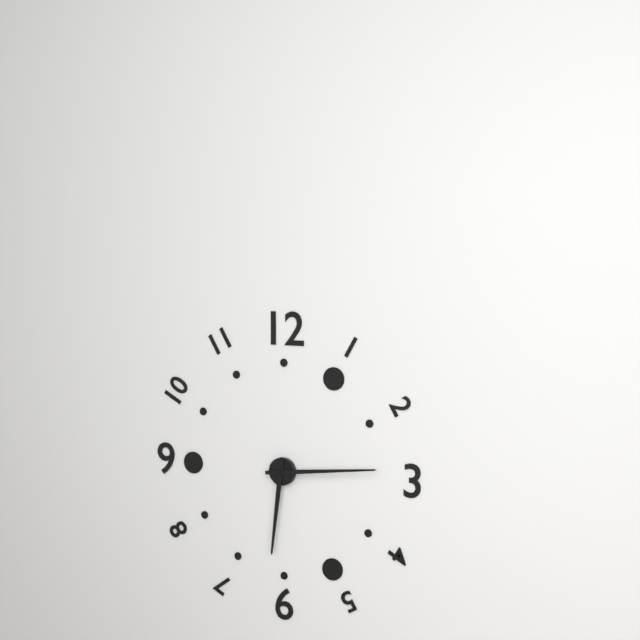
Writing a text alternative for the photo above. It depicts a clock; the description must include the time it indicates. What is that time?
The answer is 6:14
